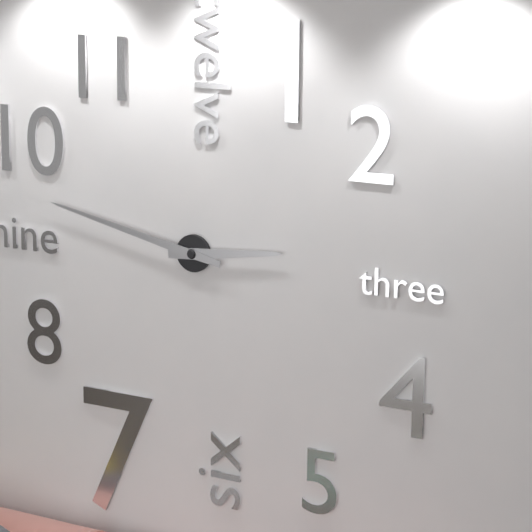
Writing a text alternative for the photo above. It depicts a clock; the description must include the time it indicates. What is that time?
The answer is 2:47
